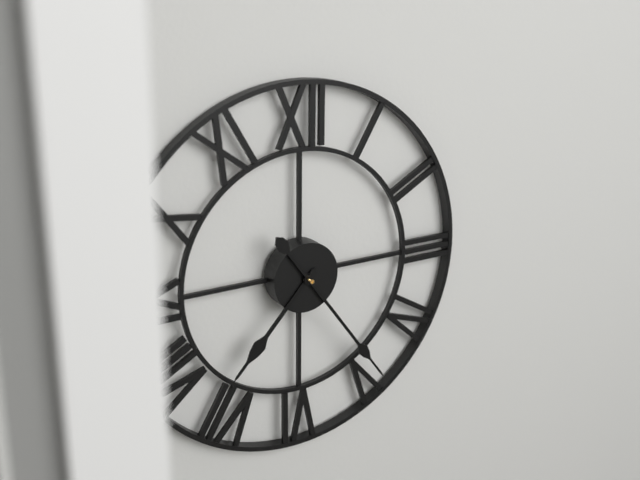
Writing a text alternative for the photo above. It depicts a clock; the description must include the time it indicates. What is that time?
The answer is 7:24
